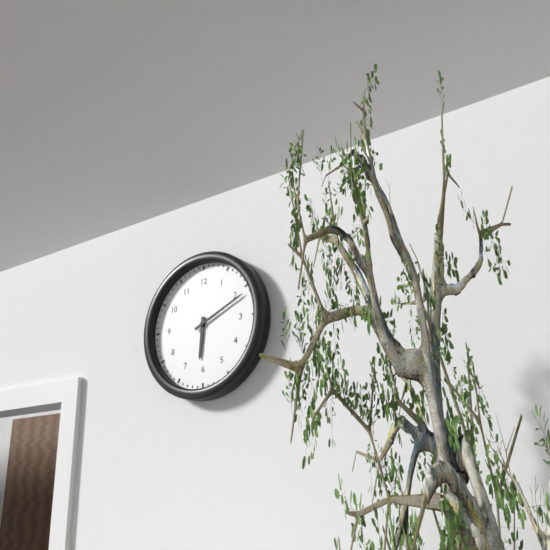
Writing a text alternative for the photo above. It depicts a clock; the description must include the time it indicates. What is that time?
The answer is 6:11
